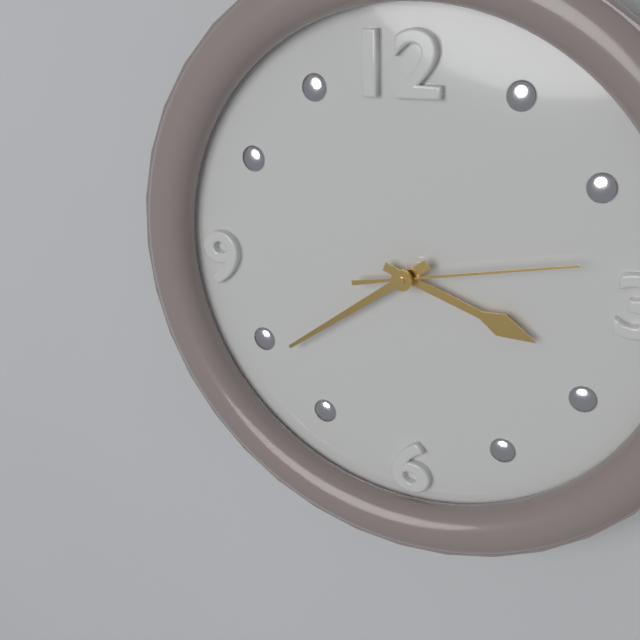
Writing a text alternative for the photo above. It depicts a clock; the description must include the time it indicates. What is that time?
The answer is 3:39:13
